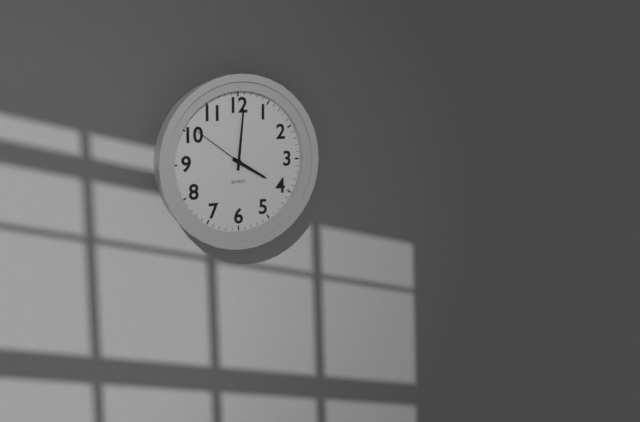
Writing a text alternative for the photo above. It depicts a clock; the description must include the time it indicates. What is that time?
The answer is 4:01:51
